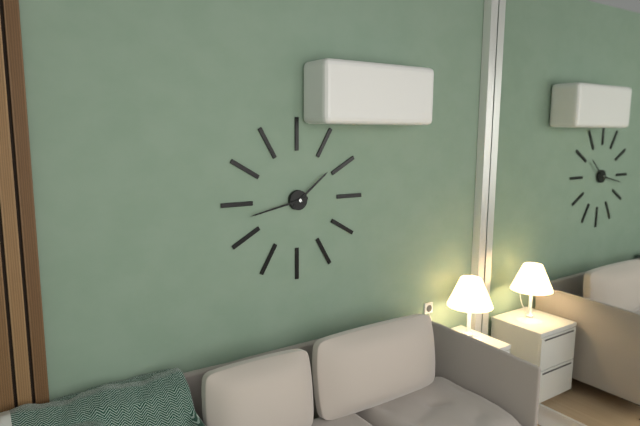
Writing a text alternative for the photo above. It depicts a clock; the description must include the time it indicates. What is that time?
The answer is 1:43
